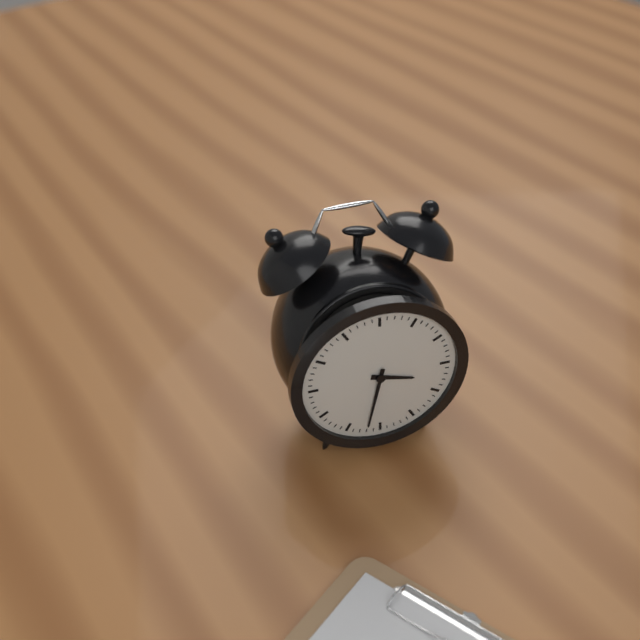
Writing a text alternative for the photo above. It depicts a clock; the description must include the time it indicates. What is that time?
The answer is 3:32
